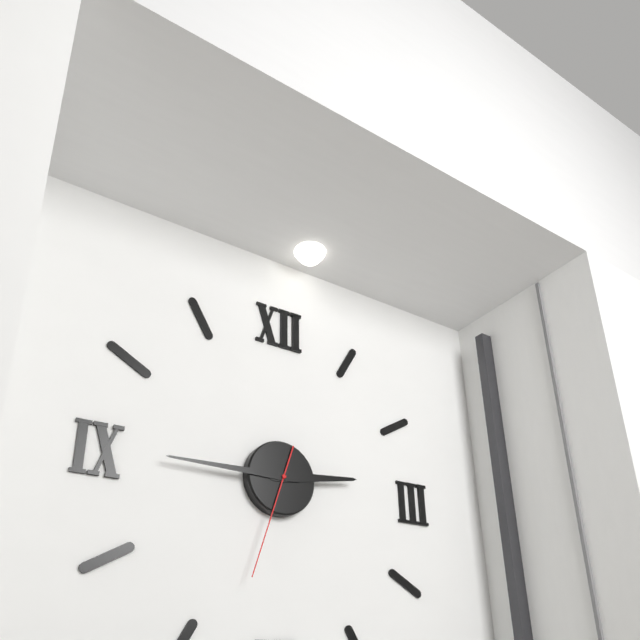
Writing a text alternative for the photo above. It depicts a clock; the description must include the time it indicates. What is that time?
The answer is 2:45:33
